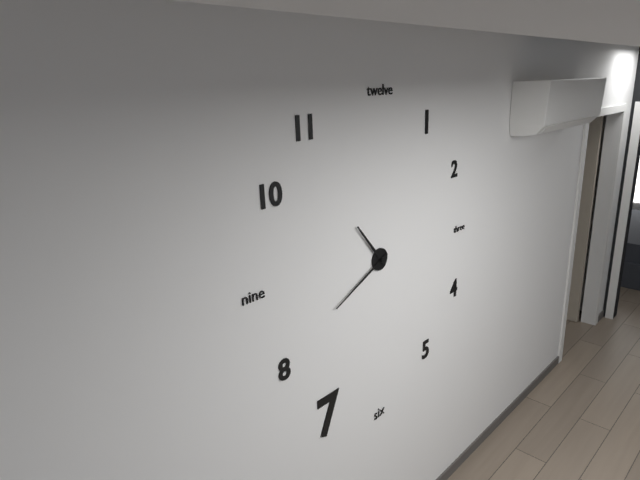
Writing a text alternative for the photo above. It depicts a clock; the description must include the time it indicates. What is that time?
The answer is 10:41
